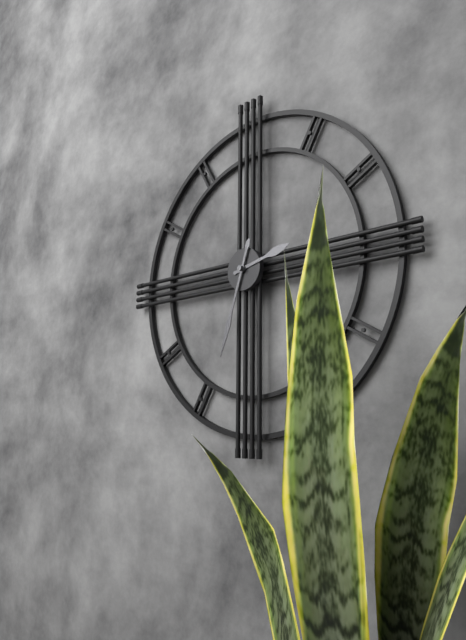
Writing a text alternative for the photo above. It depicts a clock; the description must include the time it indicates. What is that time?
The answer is 2:33
